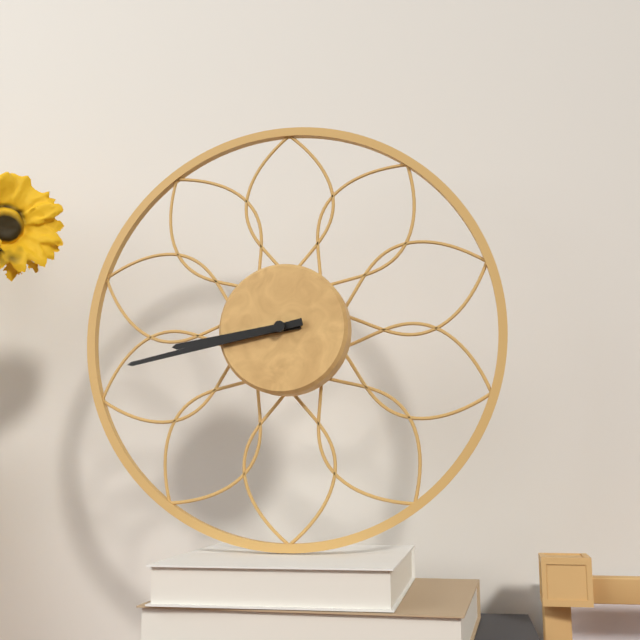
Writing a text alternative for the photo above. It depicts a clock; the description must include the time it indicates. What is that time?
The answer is 8:43
